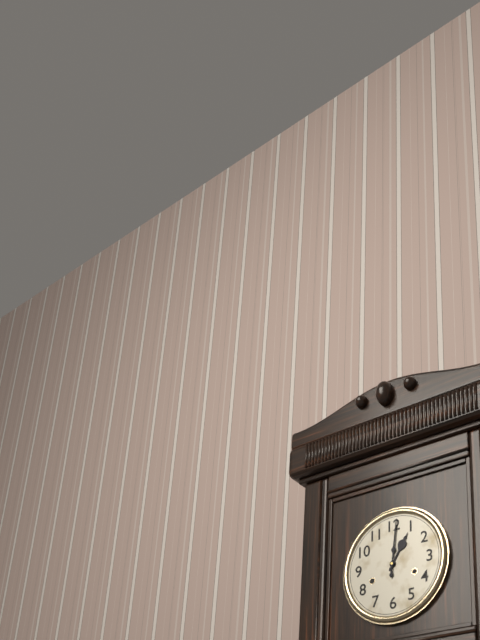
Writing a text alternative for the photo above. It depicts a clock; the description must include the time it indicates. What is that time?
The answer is 1:01
